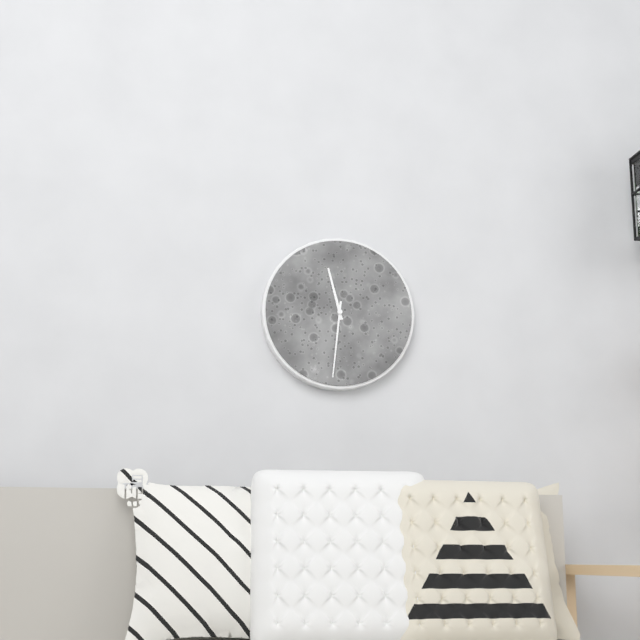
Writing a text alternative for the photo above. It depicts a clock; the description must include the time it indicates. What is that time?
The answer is 11:31
